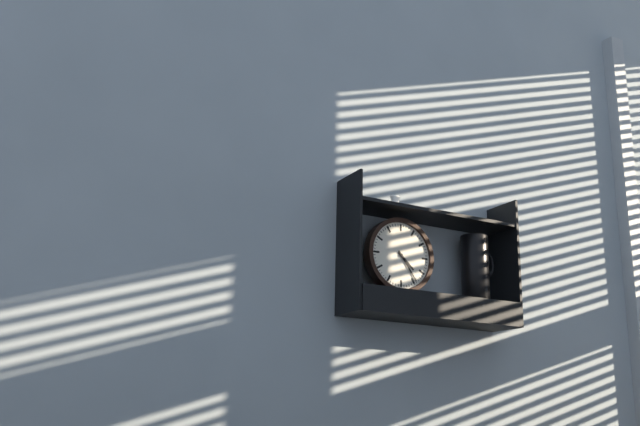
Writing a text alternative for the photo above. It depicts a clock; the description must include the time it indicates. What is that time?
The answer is 4:24
